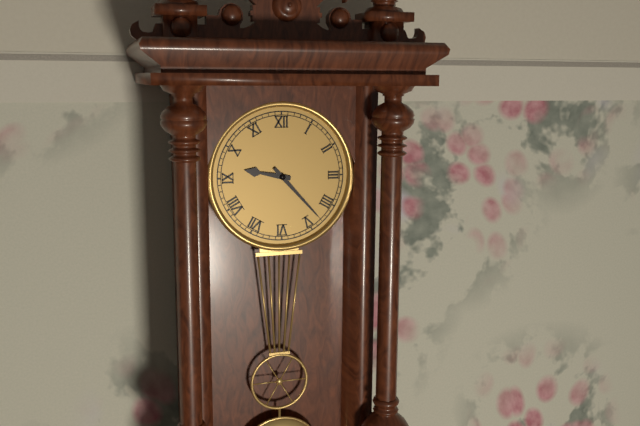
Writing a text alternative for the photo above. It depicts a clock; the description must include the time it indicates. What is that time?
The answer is 9:23
